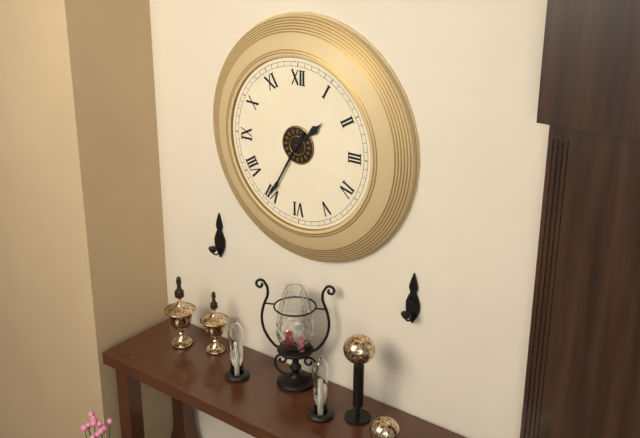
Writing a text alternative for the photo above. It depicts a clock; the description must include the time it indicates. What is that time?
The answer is 1:35
